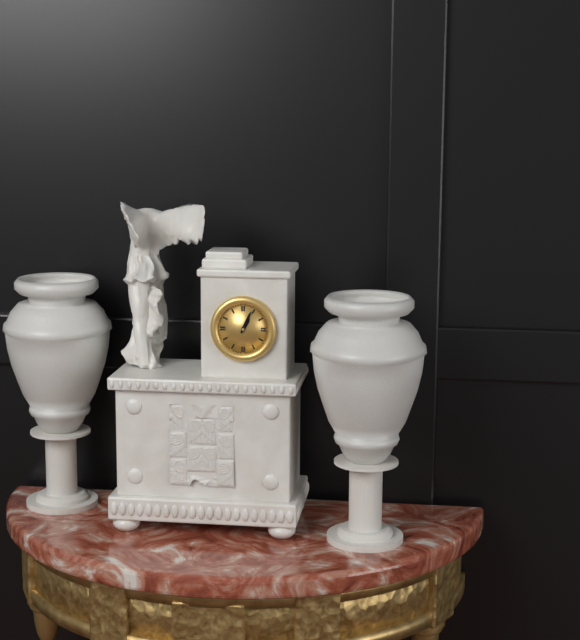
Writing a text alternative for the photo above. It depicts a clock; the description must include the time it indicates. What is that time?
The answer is 1:04
